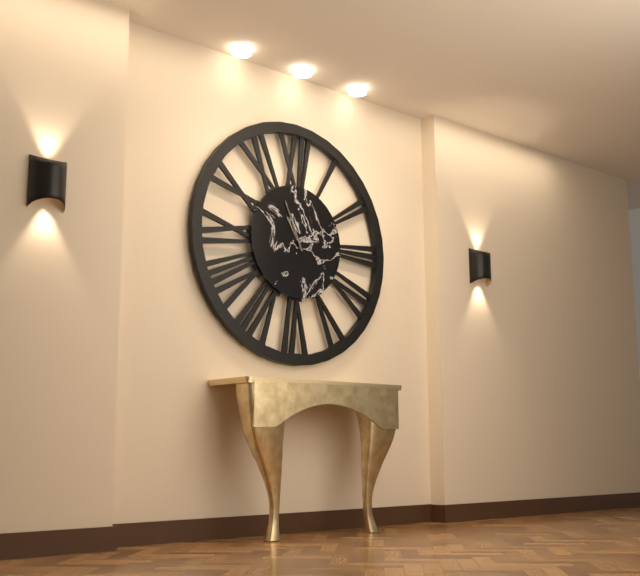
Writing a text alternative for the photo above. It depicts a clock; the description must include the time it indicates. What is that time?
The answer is 10:56
